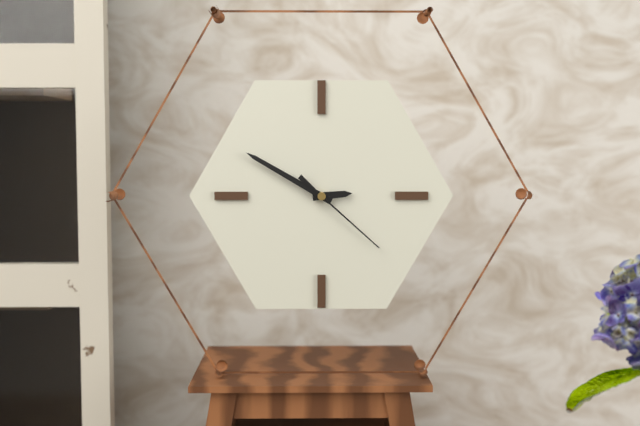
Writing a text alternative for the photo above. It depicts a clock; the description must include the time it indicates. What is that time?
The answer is 2:50:22
